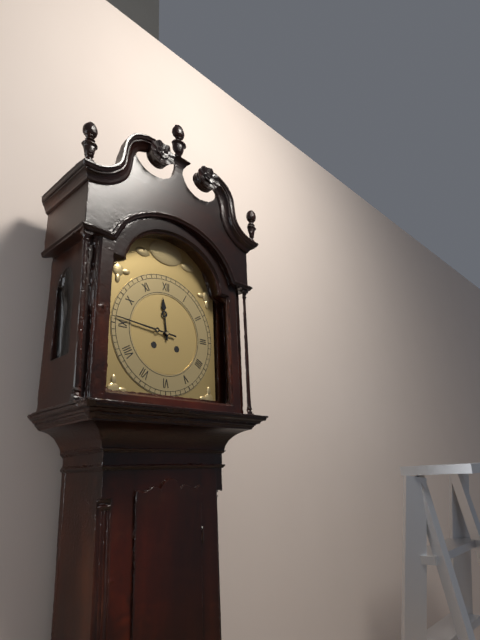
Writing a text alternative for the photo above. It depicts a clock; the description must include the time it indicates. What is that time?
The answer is 11:46
